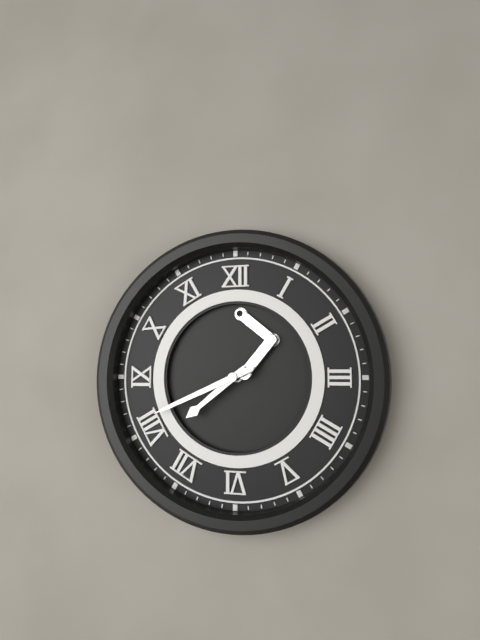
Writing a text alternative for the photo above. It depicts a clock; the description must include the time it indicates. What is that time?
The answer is 7:41
